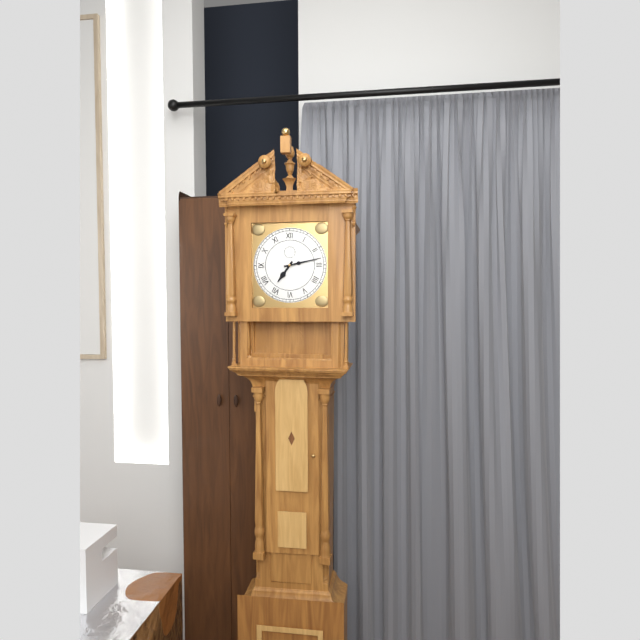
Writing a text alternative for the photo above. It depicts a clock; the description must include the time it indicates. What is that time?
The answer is 7:13
